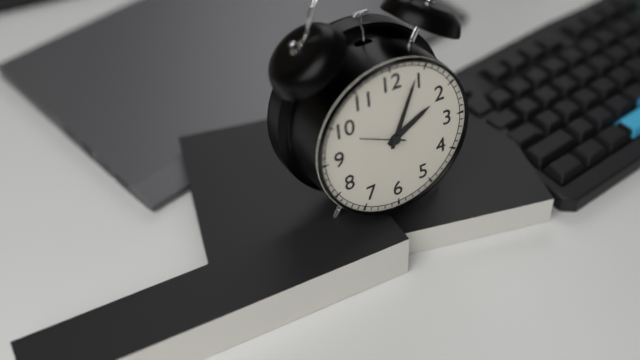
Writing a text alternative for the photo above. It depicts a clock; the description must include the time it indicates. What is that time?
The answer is 2:04
